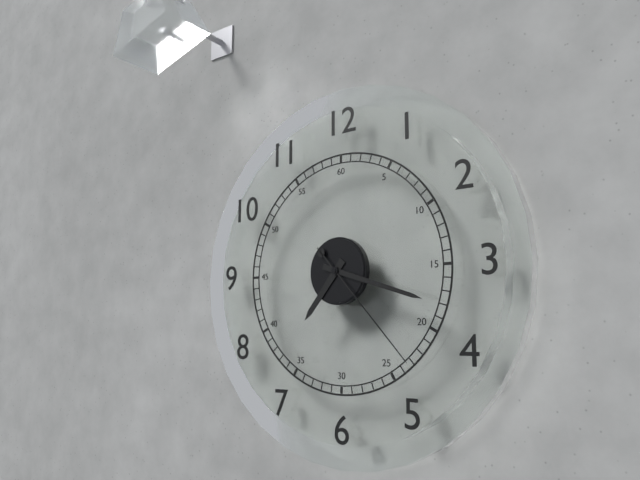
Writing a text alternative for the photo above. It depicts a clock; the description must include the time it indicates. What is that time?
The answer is 7:18:23
